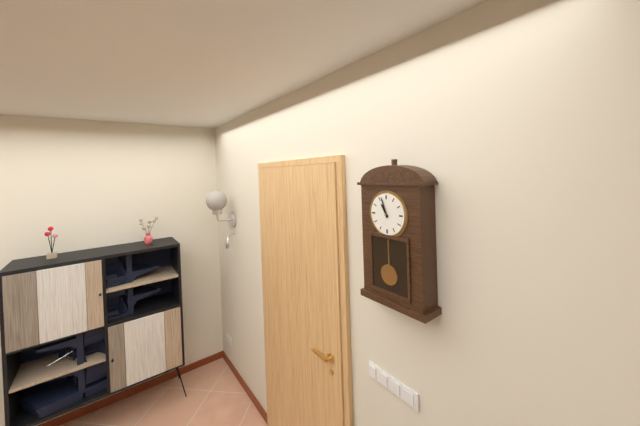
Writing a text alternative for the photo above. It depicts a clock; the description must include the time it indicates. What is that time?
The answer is 10:57
